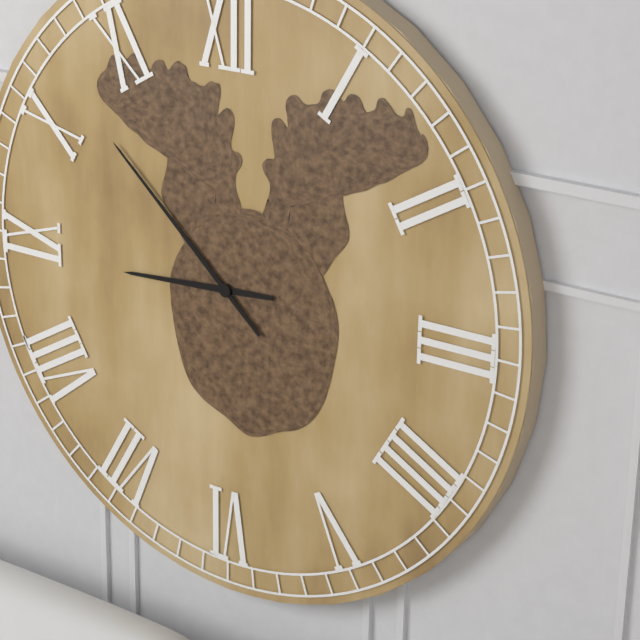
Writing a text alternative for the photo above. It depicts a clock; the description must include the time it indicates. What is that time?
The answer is 8:52
